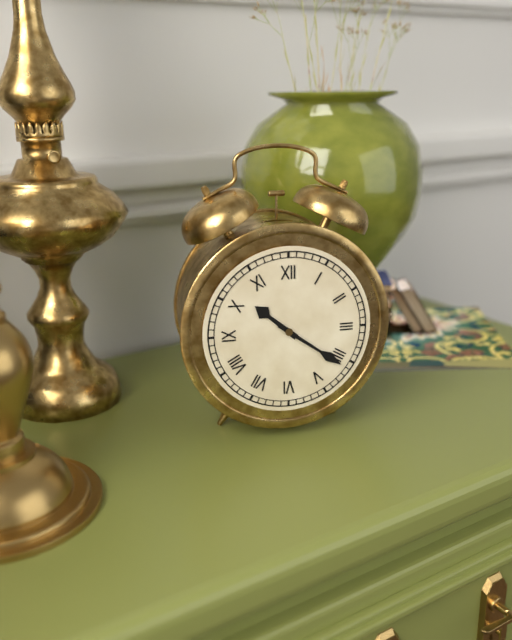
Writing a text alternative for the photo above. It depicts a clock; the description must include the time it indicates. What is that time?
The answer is 10:21
